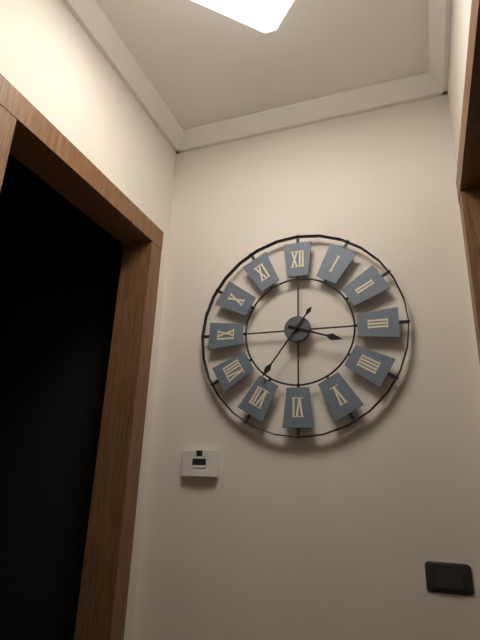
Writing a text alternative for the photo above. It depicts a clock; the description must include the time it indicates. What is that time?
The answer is 3:36
